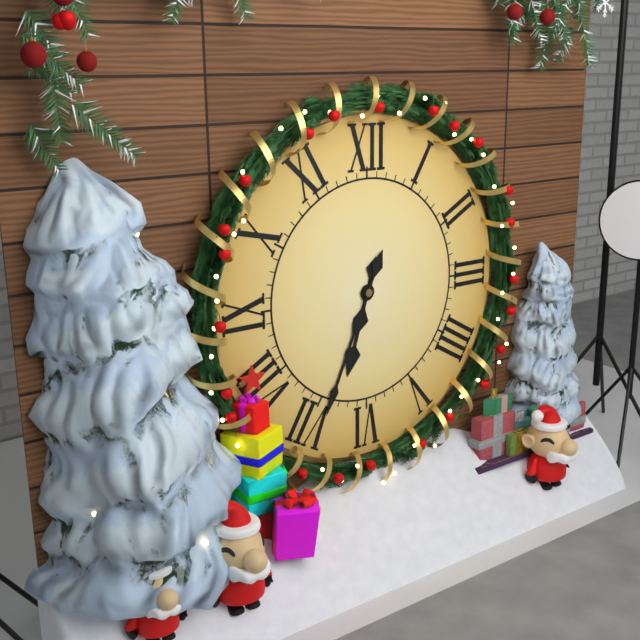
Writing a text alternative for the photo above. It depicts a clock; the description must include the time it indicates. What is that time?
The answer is 6:34
